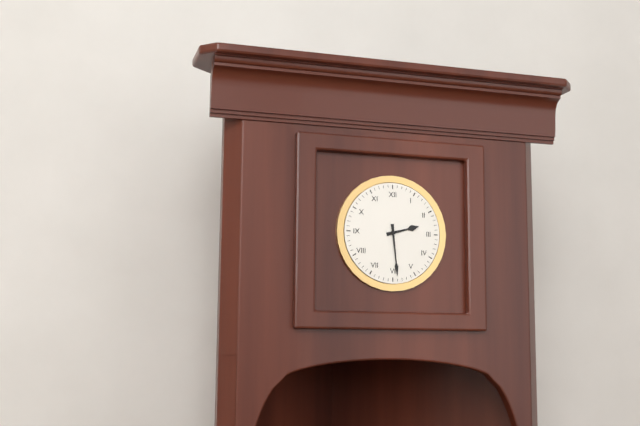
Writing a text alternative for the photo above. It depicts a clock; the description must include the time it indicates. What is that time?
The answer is 2:29
